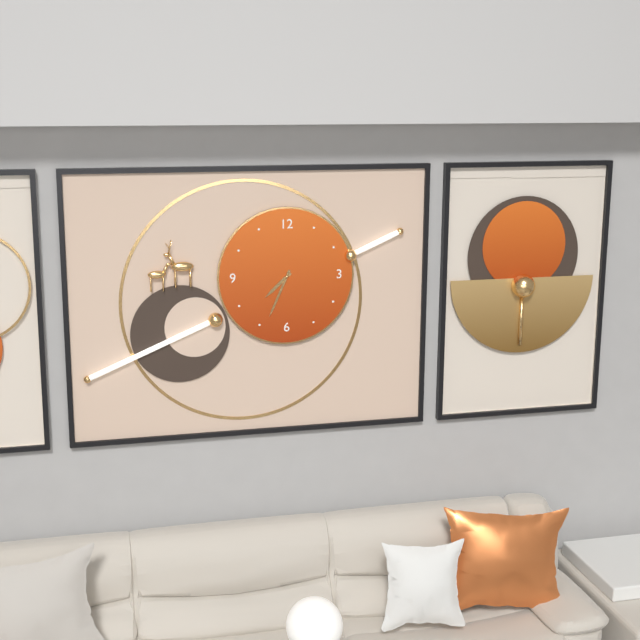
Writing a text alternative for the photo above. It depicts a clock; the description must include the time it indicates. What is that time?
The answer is 7:34
